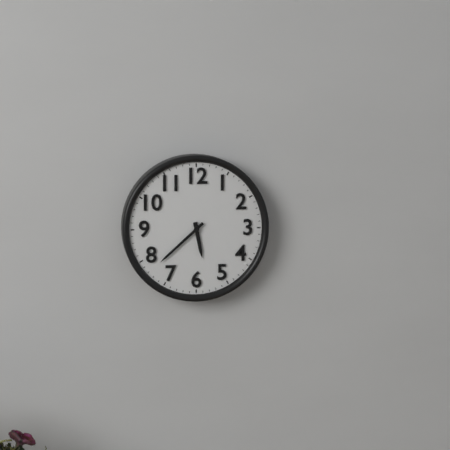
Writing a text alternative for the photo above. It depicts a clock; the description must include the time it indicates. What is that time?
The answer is 5:38
